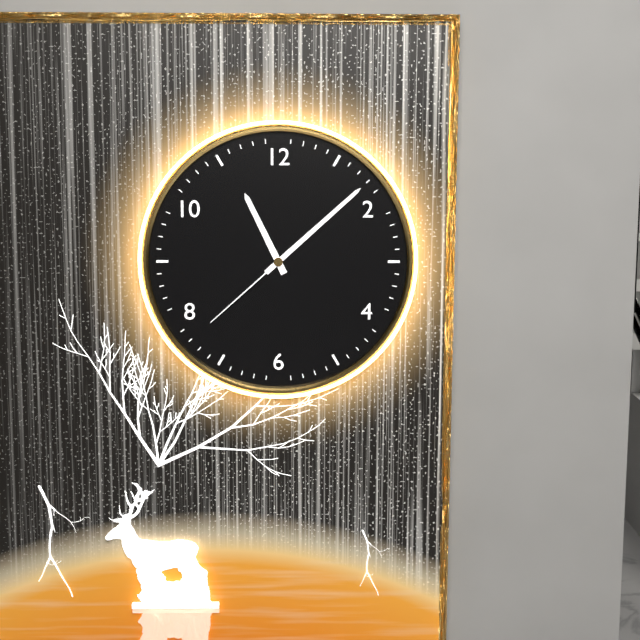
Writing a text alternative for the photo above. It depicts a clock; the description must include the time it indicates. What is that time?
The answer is 11:08:38
